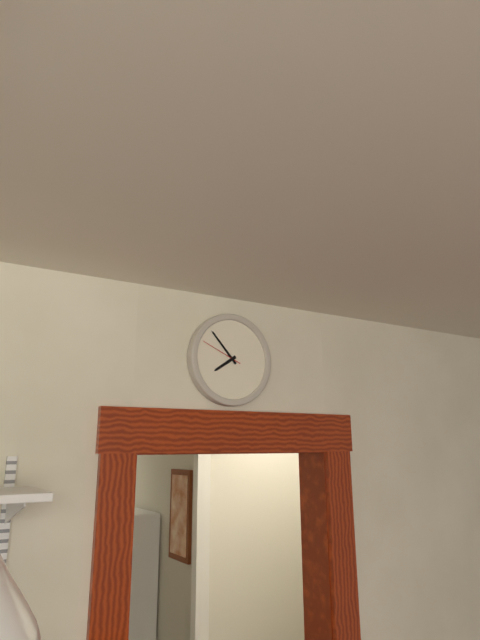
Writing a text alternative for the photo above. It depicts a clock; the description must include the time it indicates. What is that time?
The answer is 7:53
